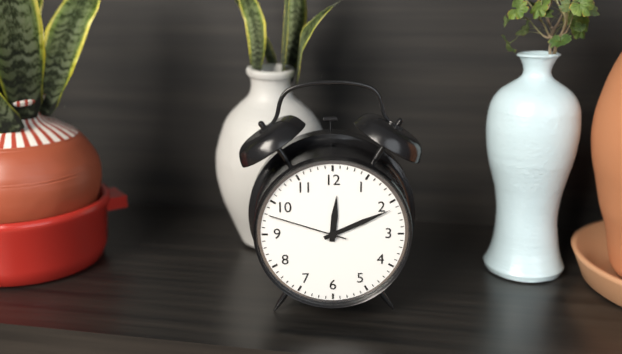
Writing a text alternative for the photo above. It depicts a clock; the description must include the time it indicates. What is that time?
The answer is 12:11:48
